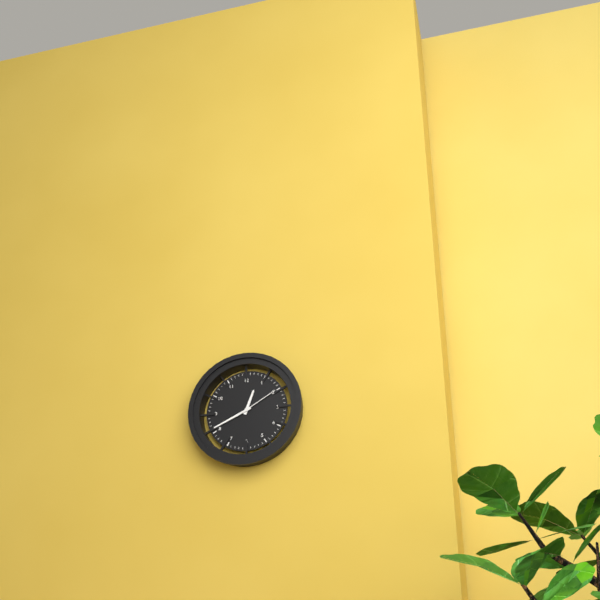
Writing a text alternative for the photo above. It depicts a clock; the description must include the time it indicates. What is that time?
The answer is 12:41
